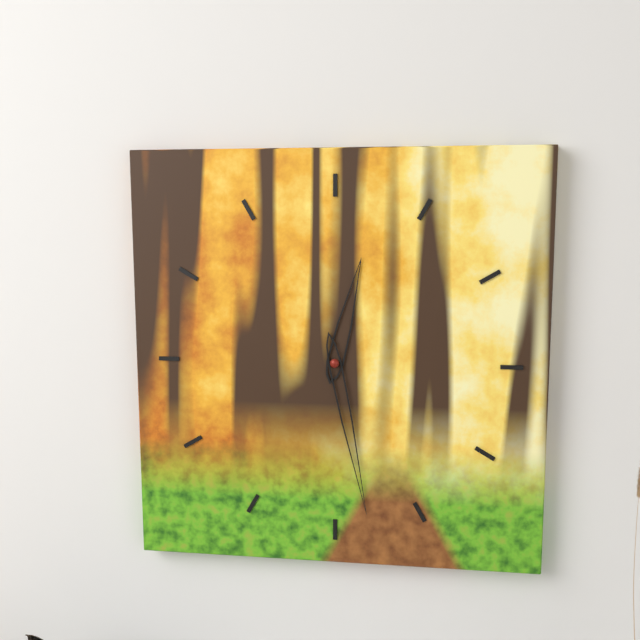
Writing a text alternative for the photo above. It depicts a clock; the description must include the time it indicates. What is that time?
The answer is 12:28
